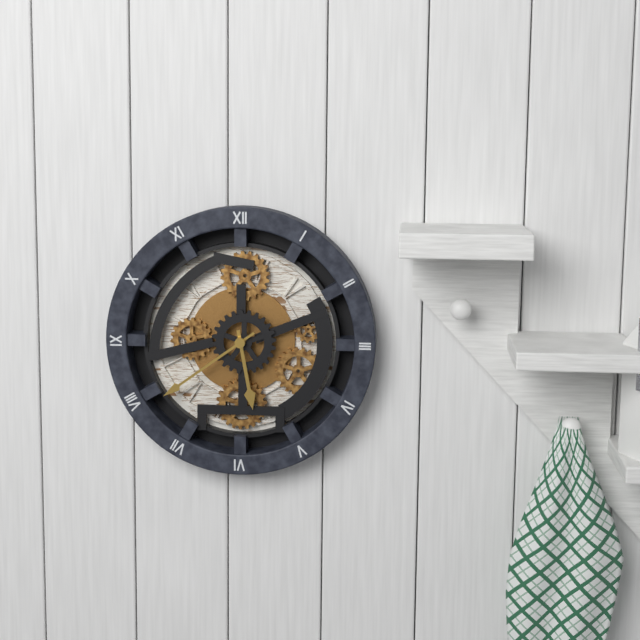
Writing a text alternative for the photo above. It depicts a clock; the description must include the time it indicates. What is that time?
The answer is 5:39
